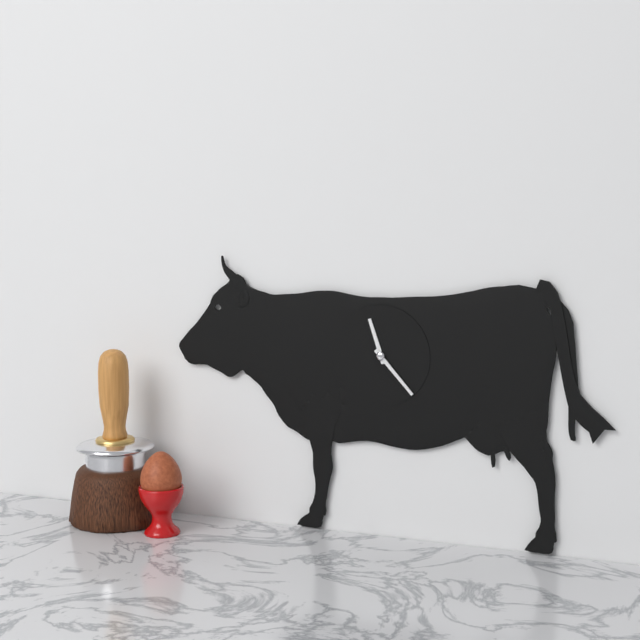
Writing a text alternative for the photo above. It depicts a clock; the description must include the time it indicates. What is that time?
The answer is 11:23
